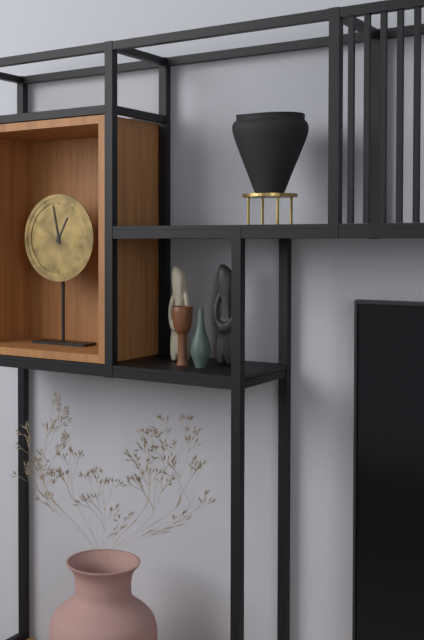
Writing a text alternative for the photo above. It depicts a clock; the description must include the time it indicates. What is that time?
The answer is 12:58
